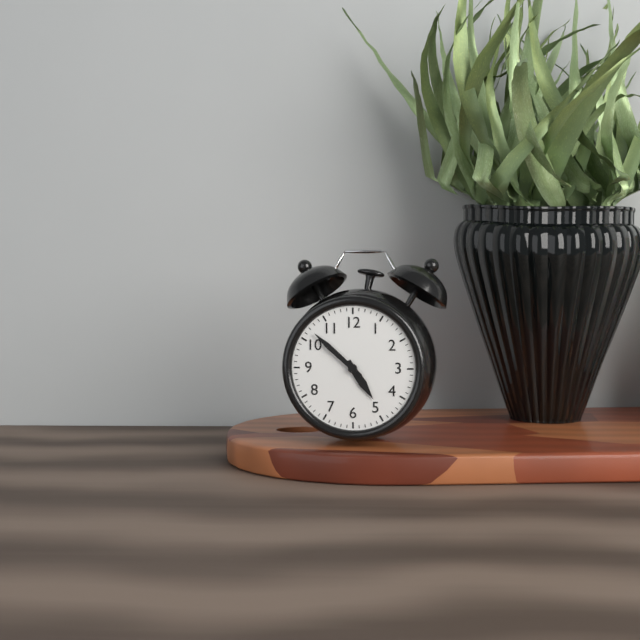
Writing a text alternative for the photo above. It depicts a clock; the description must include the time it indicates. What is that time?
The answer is 4:52
